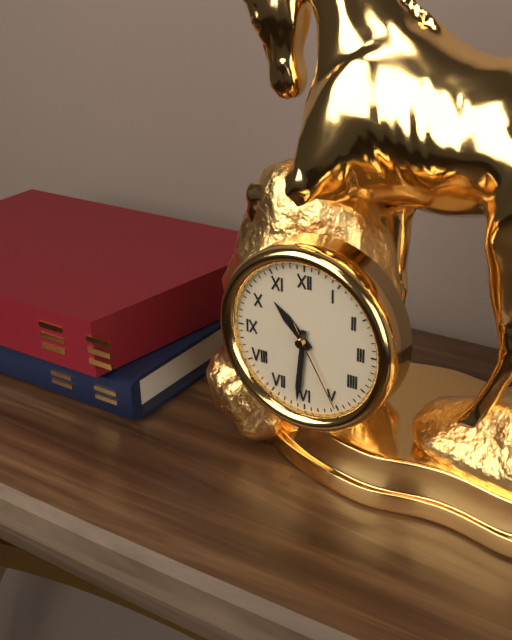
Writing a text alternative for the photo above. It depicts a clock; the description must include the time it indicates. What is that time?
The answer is 10:31:25
